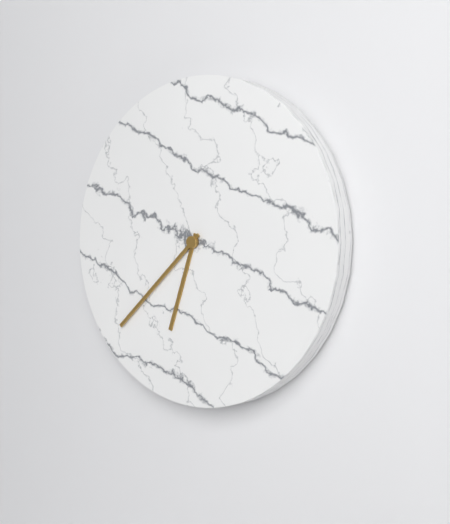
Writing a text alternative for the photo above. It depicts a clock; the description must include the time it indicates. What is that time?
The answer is 6:38
